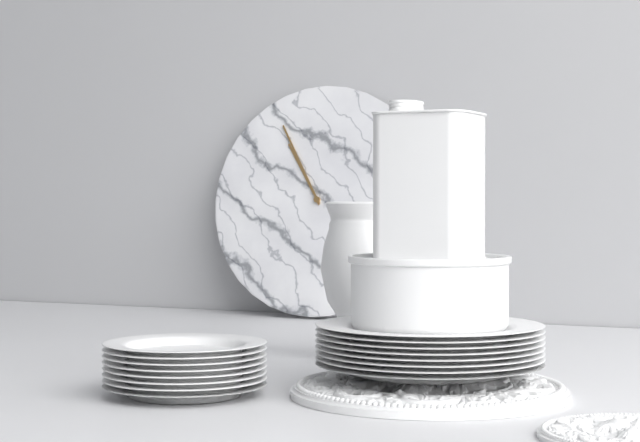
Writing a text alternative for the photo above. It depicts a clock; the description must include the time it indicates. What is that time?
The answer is 10:55
